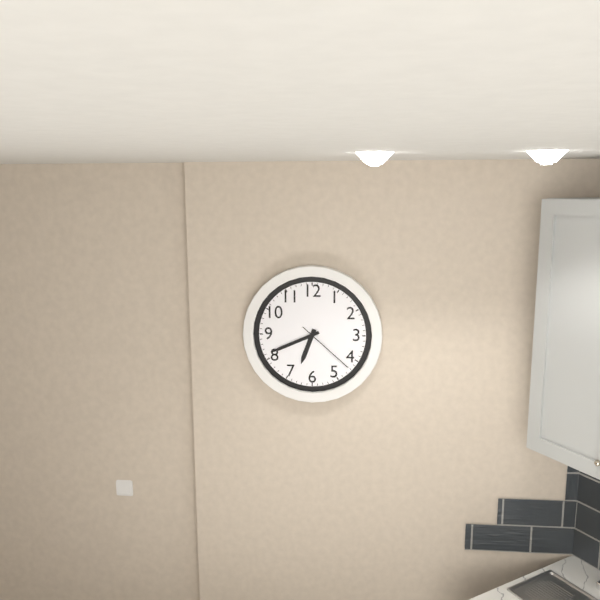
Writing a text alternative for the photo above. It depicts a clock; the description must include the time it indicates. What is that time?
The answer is 6:41:22
